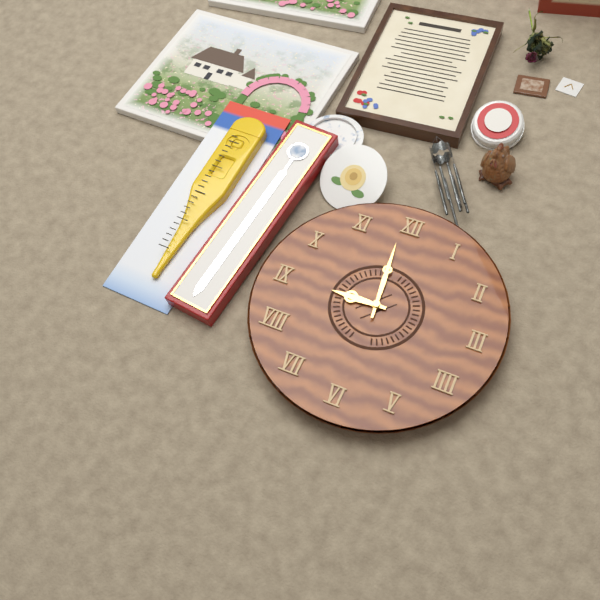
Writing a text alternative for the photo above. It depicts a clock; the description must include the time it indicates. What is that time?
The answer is 8:59
